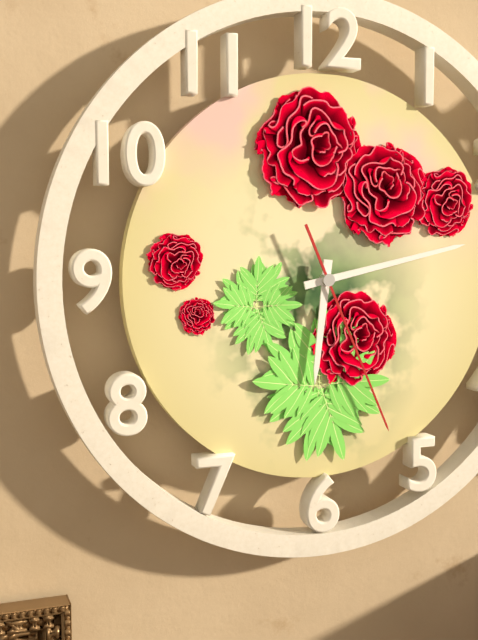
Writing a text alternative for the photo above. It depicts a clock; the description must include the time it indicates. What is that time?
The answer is 6:13:26
